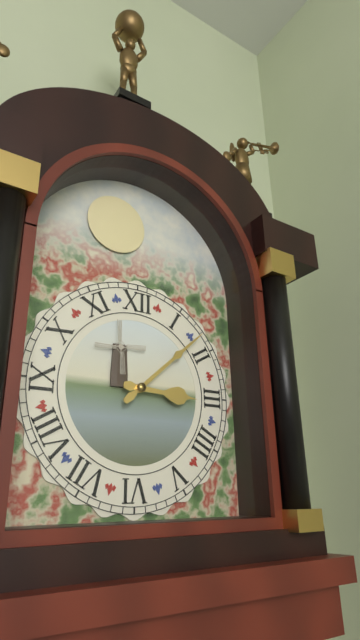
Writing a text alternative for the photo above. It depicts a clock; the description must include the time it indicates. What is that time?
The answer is 3:08
